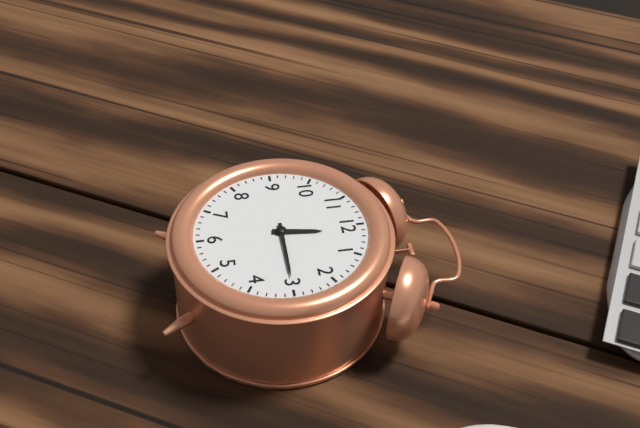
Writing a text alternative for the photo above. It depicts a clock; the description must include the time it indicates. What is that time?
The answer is 12:15
